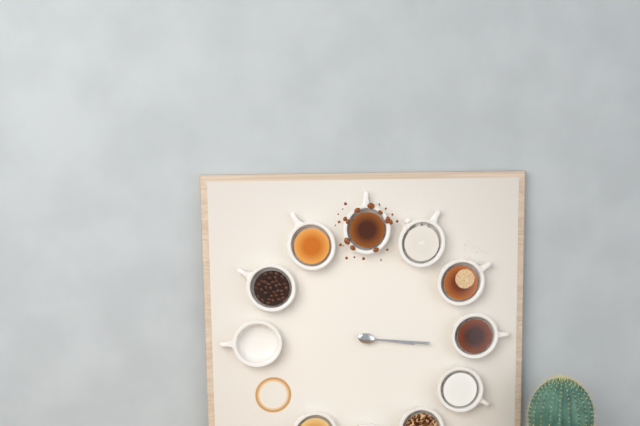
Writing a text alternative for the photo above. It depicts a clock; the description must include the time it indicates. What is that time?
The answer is 3:16
